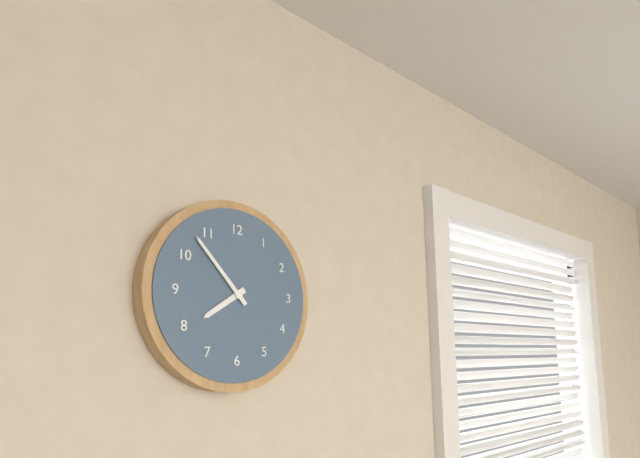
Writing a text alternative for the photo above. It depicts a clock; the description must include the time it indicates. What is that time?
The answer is 7:53
